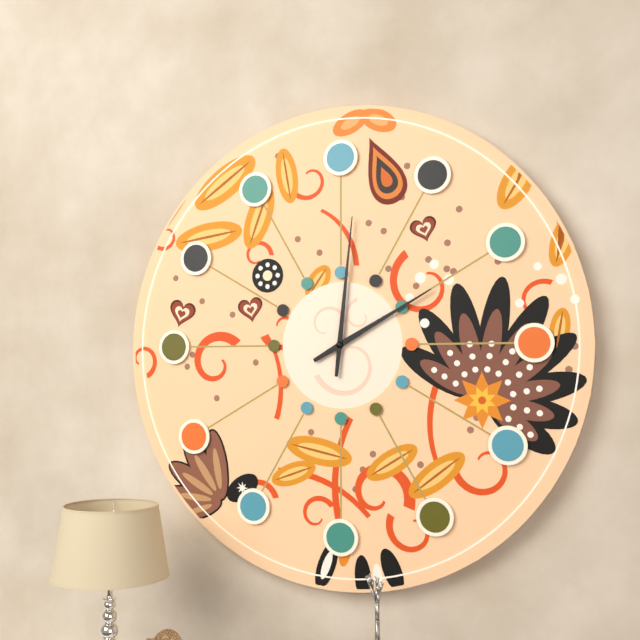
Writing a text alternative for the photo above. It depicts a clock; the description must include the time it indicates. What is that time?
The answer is 2:01
